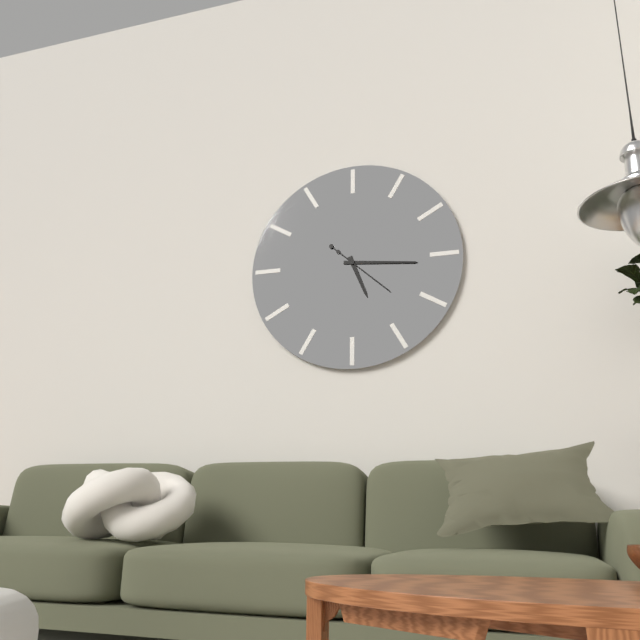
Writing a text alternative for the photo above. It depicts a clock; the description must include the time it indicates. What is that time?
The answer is 5:16:22
